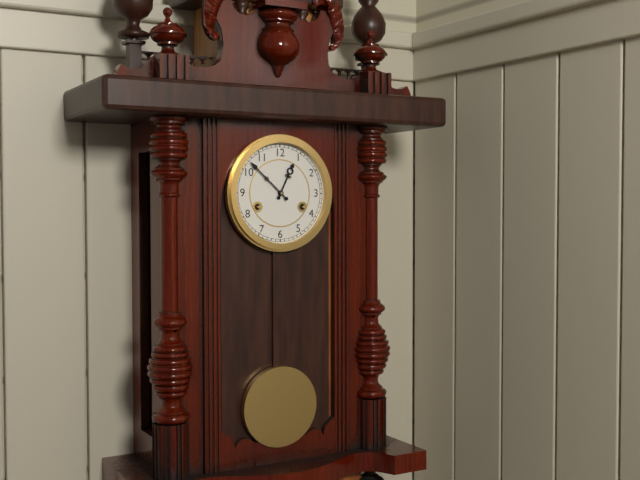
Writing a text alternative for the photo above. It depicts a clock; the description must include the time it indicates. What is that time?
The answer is 12:52
